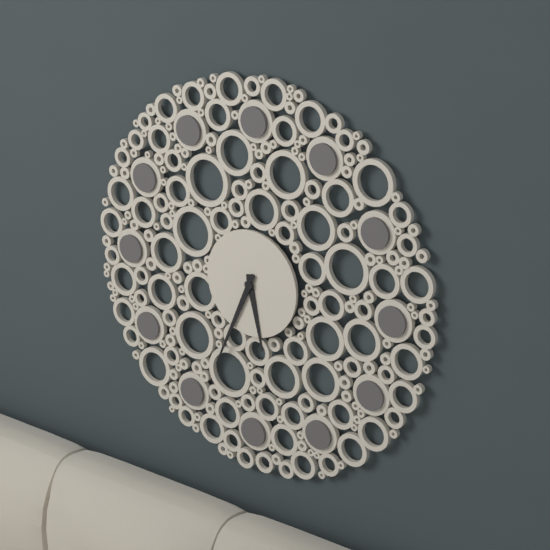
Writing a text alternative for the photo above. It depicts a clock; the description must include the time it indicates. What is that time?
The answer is 5:34
